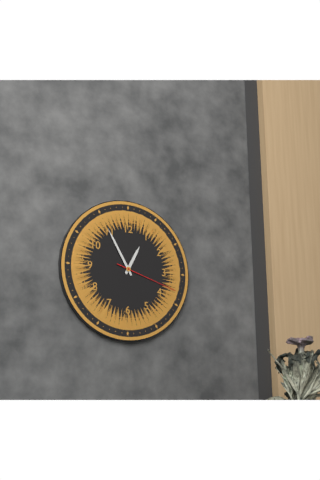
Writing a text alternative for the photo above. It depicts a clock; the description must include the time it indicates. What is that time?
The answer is 12:55:18
